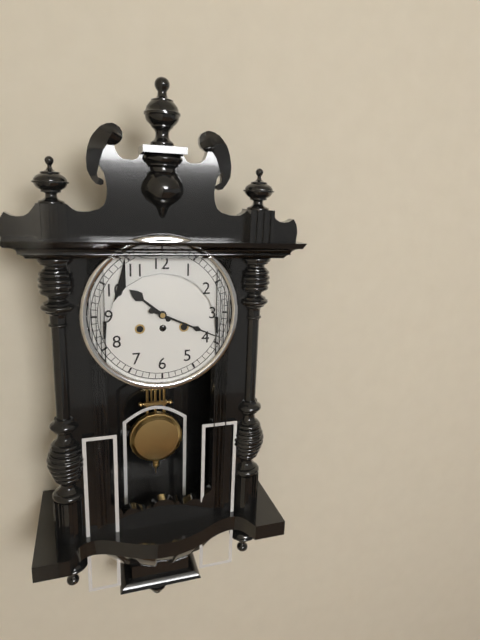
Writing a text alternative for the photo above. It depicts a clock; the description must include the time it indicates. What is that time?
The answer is 10:19
